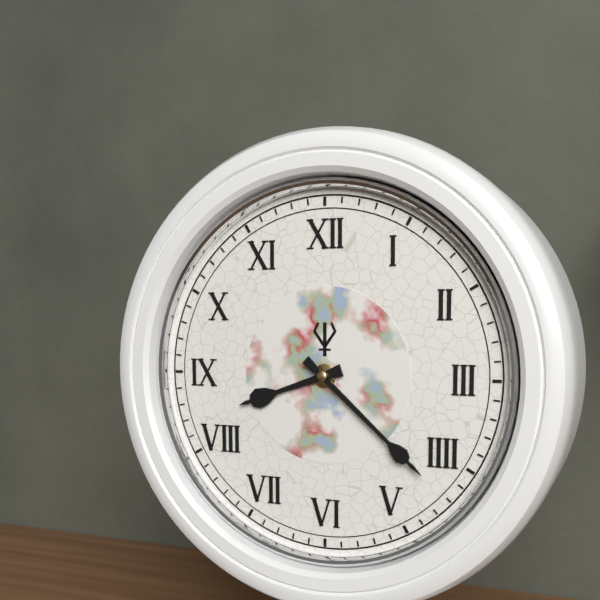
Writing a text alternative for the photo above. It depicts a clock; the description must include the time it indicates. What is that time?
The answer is 8:22
